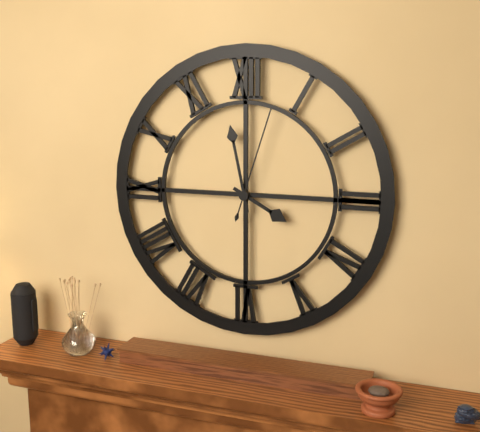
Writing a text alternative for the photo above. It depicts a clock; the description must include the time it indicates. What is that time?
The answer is 3:58:03
